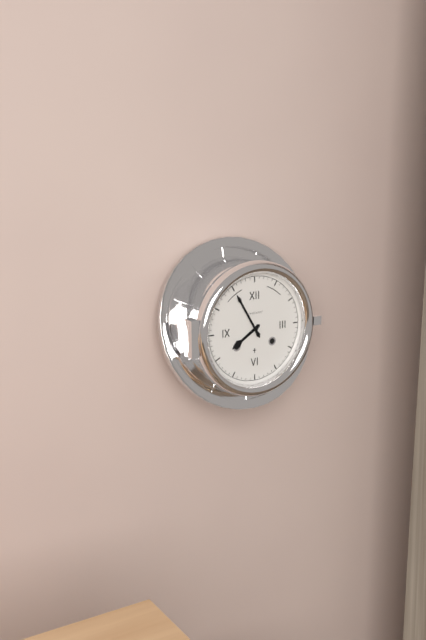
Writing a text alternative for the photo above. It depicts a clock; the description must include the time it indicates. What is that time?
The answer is 7:55
